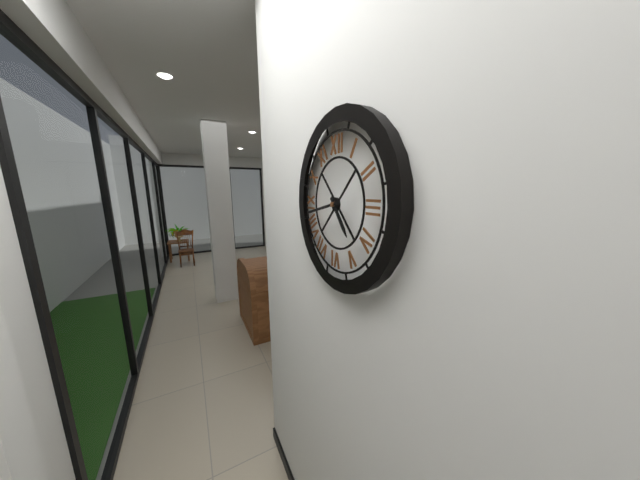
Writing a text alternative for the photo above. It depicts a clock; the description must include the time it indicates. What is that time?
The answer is 4:43
